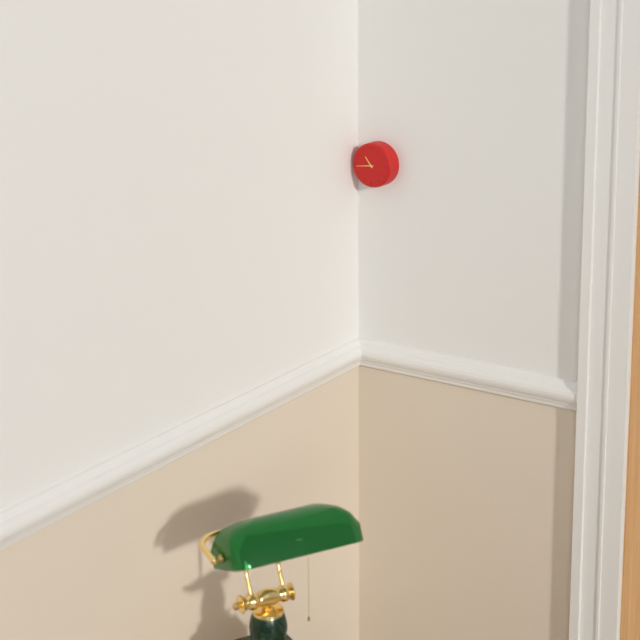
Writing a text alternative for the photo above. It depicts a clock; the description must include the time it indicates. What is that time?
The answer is 10:44
